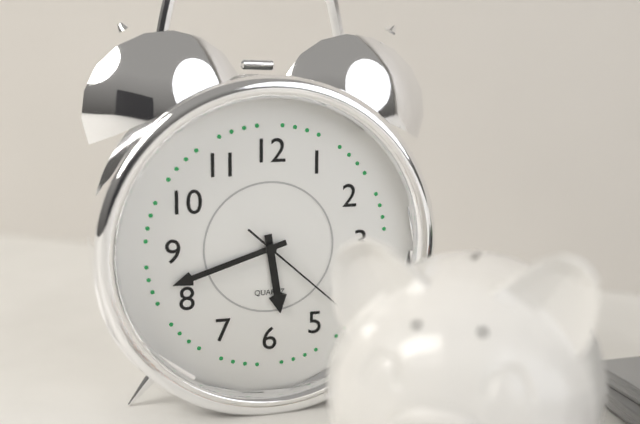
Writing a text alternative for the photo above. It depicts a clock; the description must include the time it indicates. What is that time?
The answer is 5:42:22
